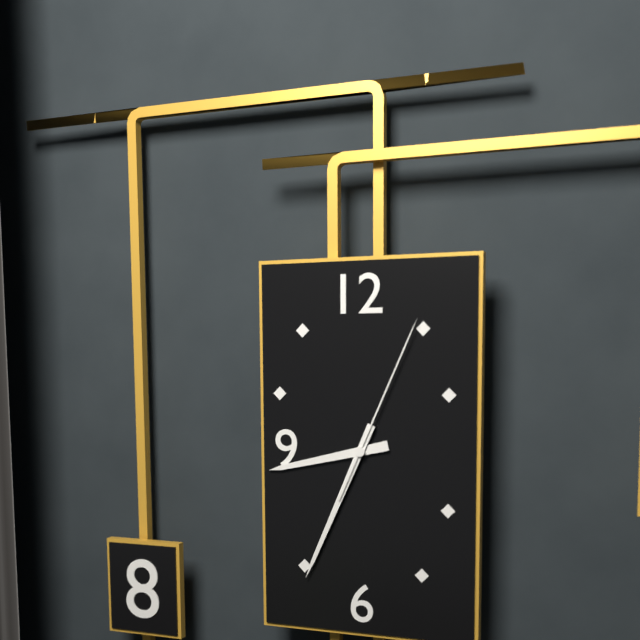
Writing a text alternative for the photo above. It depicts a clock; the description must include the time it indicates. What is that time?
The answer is 8:34:04
